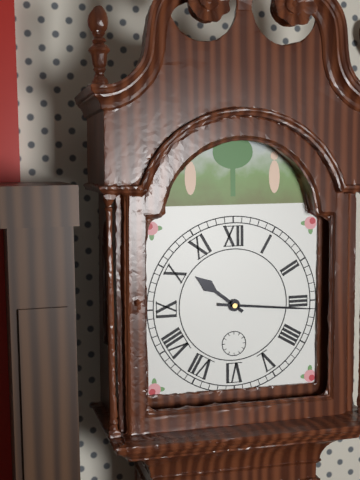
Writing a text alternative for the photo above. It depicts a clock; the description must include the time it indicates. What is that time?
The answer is 10:16
